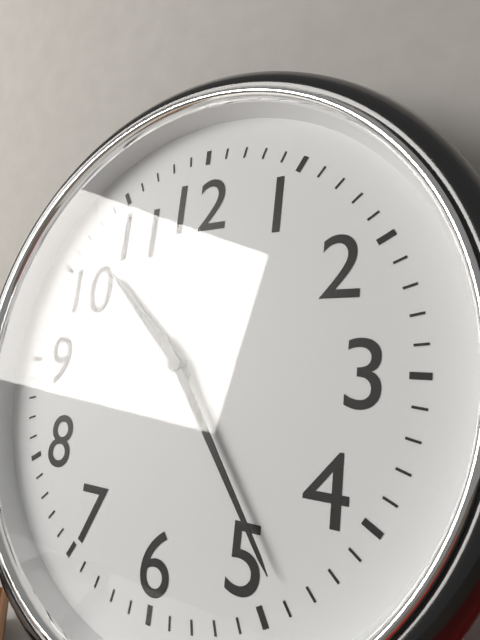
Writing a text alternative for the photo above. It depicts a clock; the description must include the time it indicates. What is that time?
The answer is 10:24
